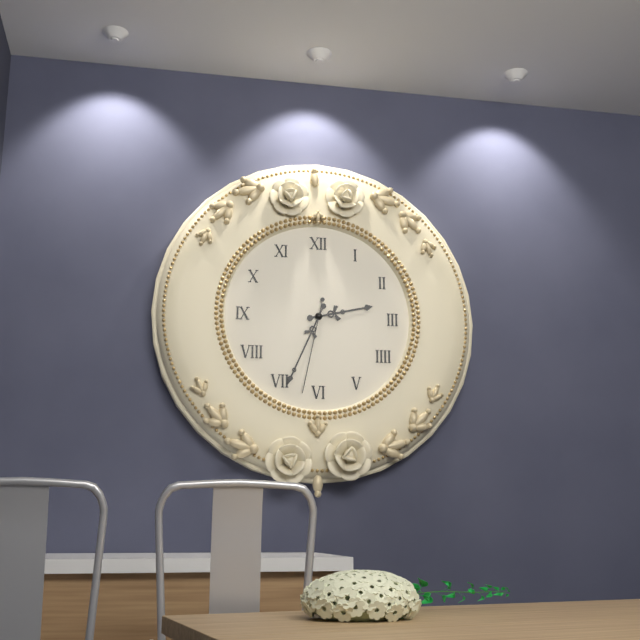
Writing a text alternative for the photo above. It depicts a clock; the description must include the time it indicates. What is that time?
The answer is 2:34:32
